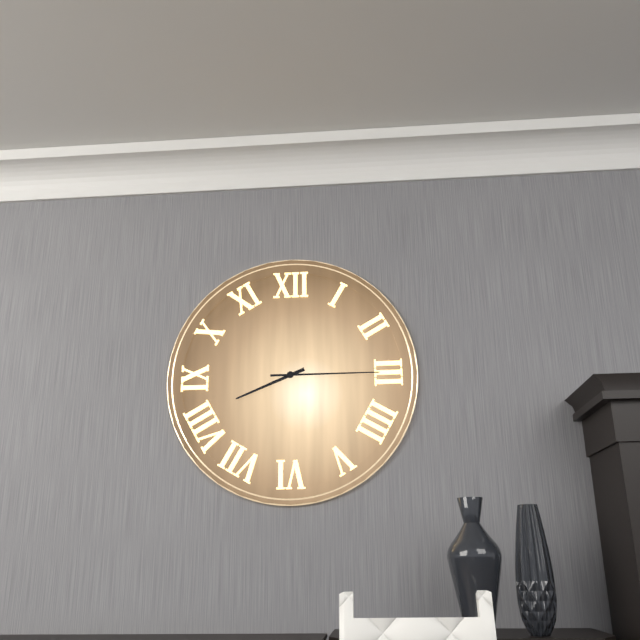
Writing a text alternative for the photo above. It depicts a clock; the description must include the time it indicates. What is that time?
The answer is 8:15
